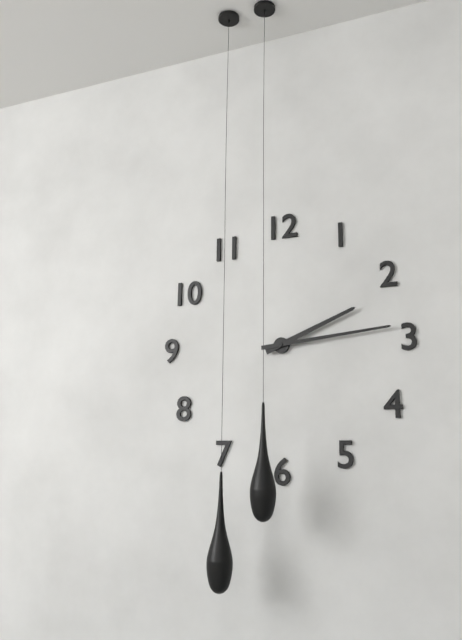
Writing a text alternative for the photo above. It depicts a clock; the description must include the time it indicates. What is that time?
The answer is 2:14
